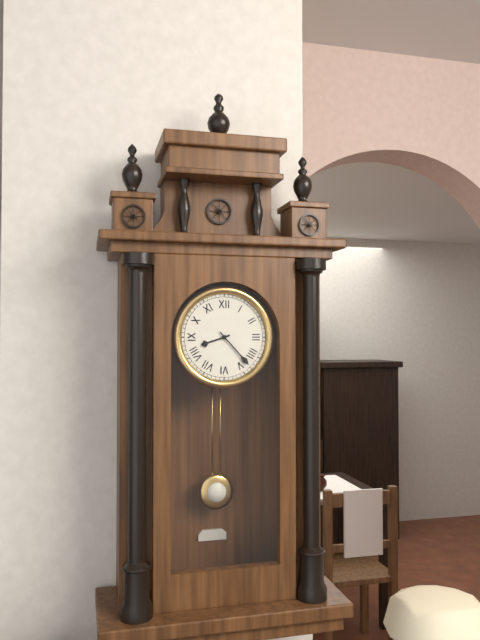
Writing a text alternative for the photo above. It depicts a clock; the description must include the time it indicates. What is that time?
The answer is 8:23
